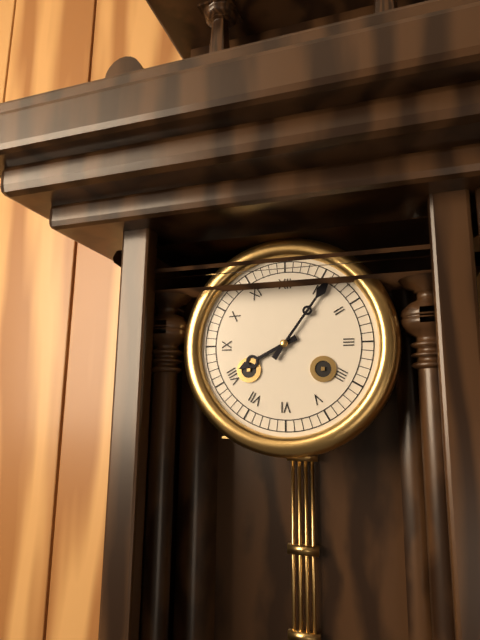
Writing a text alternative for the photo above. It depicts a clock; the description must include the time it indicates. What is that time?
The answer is 8:06
